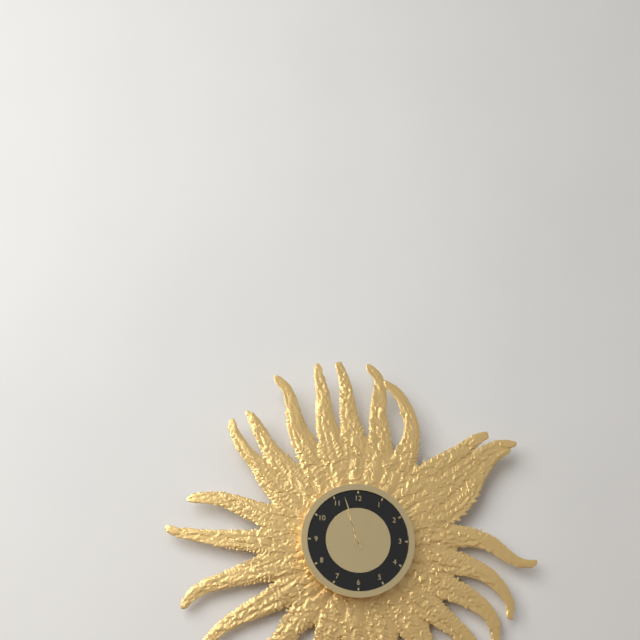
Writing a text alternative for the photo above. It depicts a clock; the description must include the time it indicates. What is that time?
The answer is 12:57
